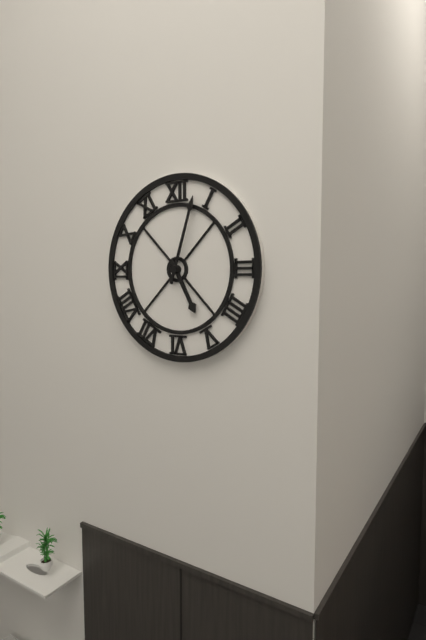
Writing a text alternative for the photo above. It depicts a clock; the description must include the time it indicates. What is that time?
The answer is 5:03
